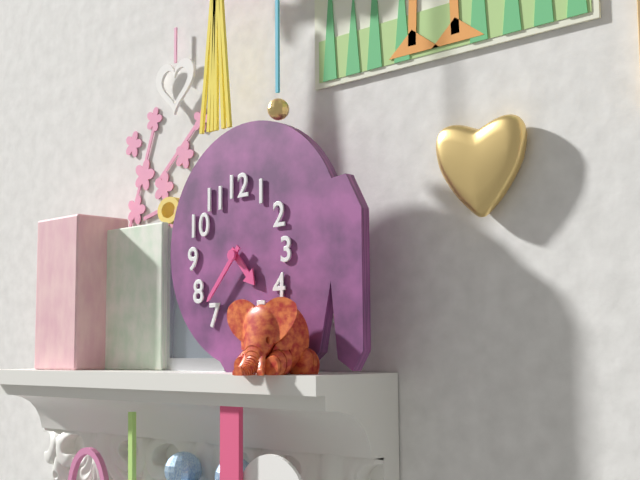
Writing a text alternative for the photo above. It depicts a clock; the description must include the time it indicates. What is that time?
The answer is 4:37
